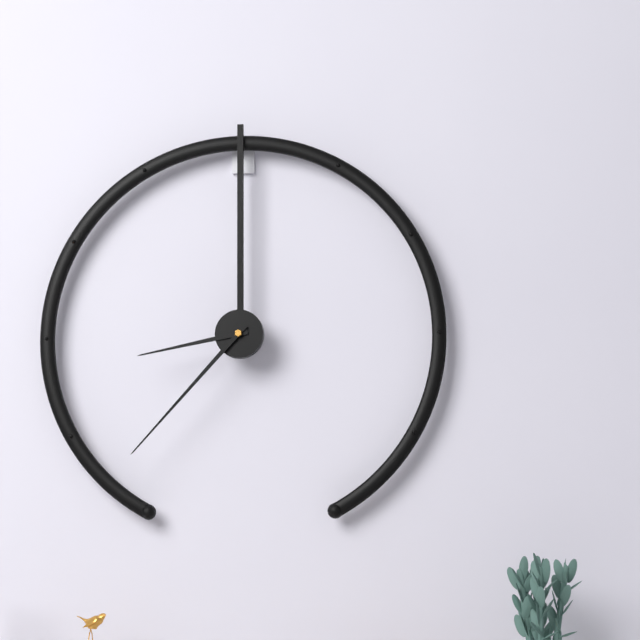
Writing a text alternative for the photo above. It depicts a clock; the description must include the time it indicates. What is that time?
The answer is 8:37
